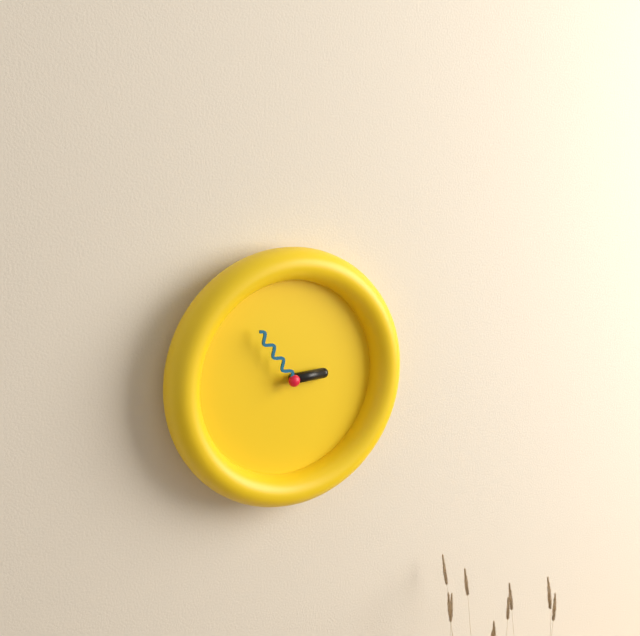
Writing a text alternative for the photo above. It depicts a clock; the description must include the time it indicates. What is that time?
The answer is 2:54
